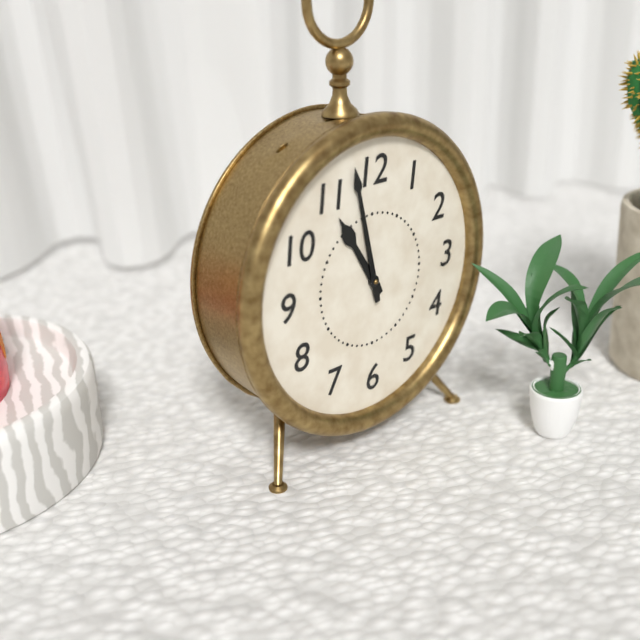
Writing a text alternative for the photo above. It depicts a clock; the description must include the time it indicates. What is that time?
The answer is 10:58
